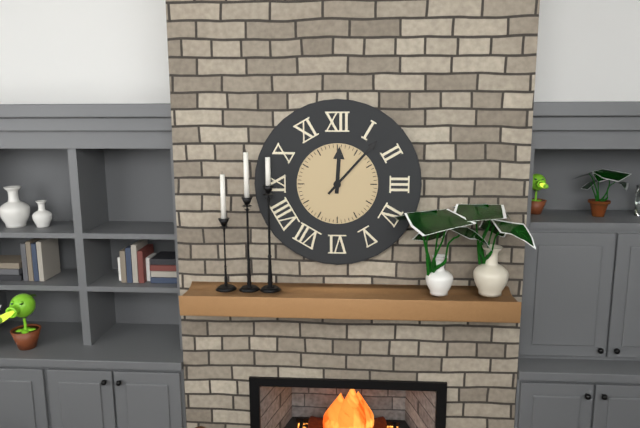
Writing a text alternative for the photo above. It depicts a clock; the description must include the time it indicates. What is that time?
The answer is 12:07
